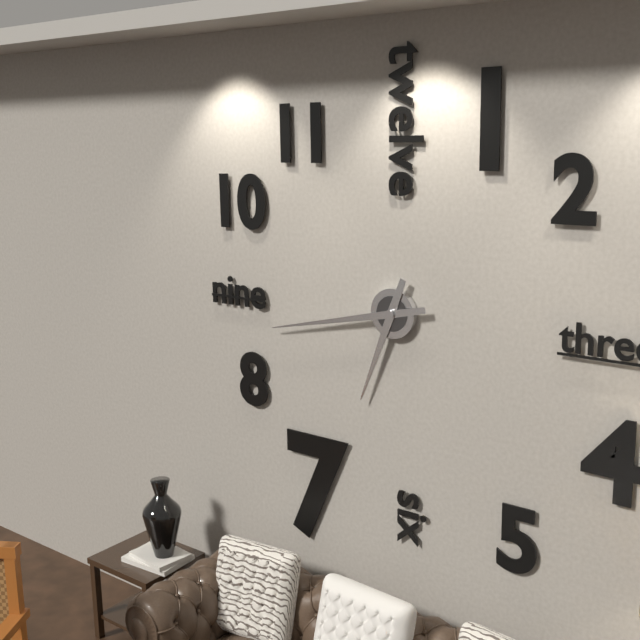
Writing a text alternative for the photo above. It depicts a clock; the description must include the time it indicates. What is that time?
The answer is 6:43
